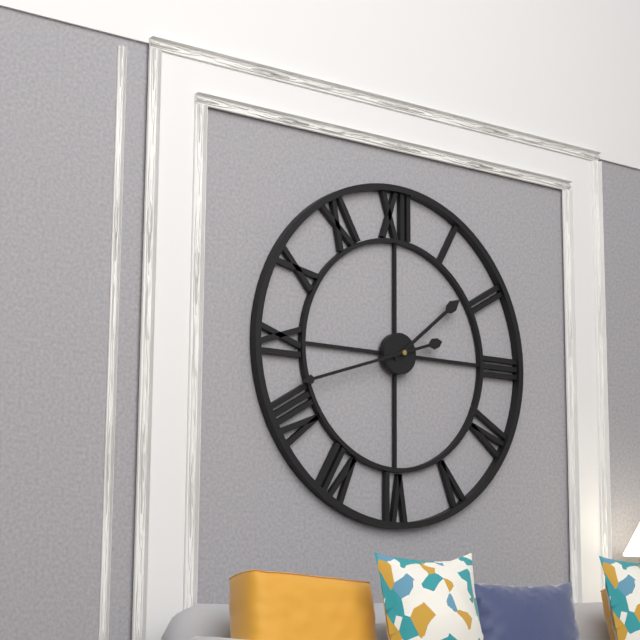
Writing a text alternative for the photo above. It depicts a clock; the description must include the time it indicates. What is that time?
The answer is 1:42
